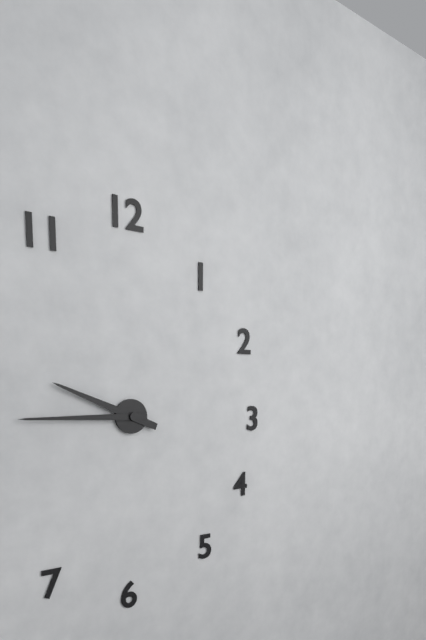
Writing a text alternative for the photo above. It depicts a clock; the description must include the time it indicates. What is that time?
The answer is 9:45
